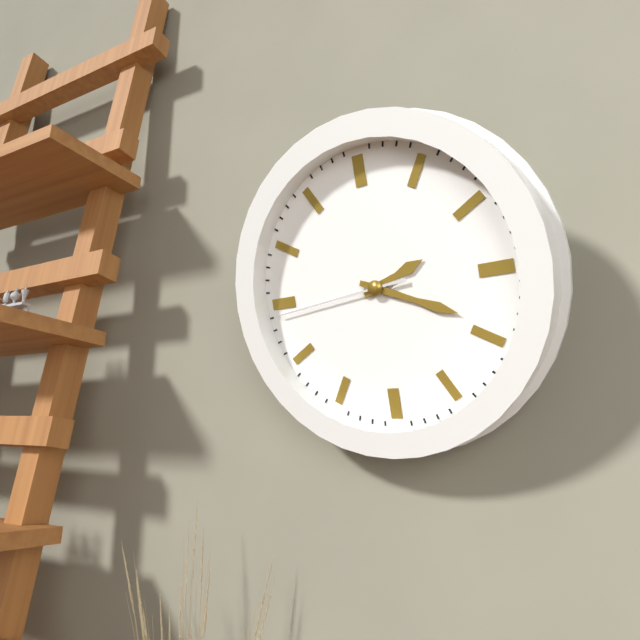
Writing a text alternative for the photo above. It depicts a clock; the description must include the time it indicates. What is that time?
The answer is 2:19:44
